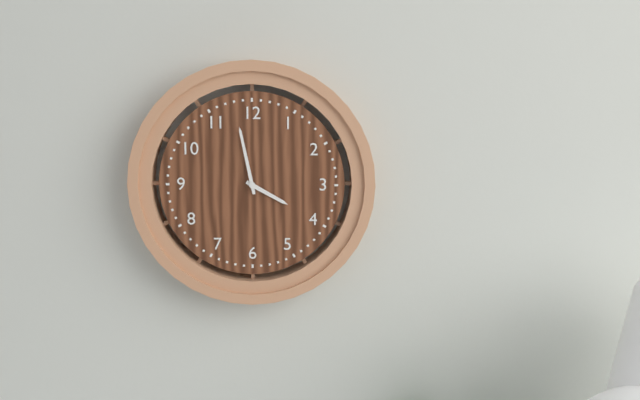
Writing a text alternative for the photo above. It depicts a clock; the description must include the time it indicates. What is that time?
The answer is 3:58
